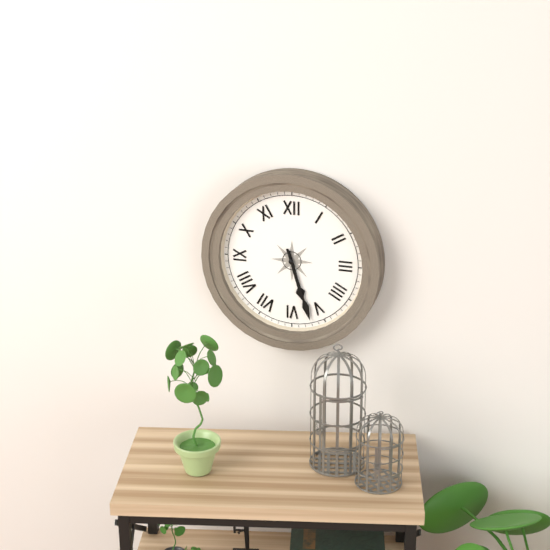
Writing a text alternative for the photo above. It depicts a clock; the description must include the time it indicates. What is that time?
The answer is 5:27
